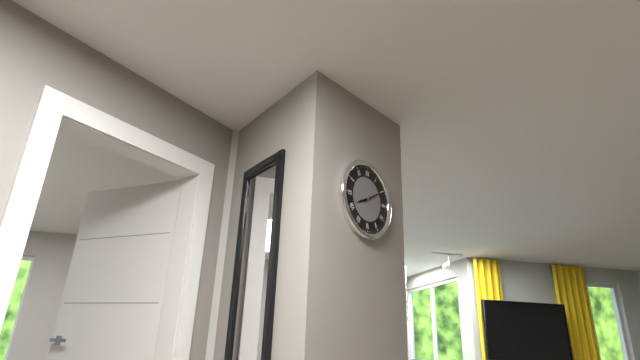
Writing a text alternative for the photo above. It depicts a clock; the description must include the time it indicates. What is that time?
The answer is 8:10
